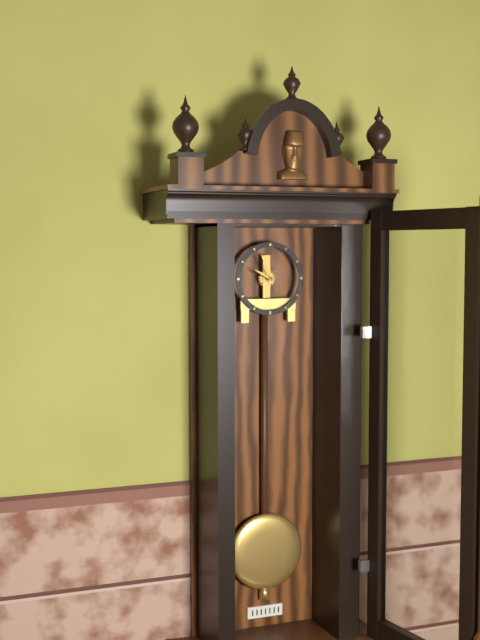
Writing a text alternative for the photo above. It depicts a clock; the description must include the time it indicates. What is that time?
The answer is 9:56
